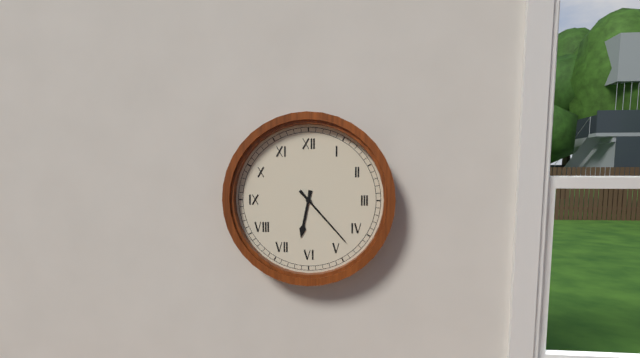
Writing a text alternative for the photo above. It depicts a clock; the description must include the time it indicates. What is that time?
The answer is 6:23
